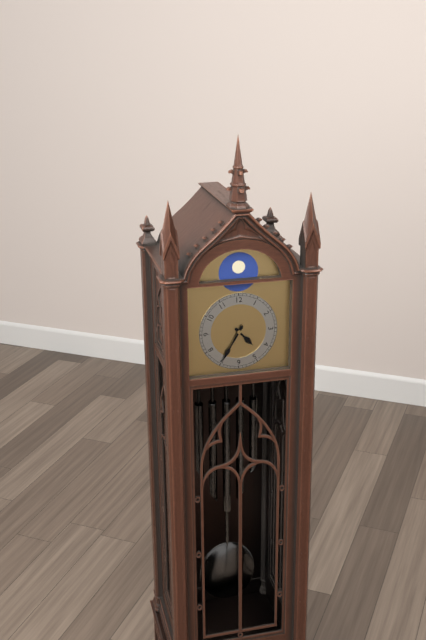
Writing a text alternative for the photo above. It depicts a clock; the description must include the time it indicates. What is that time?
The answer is 4:35
